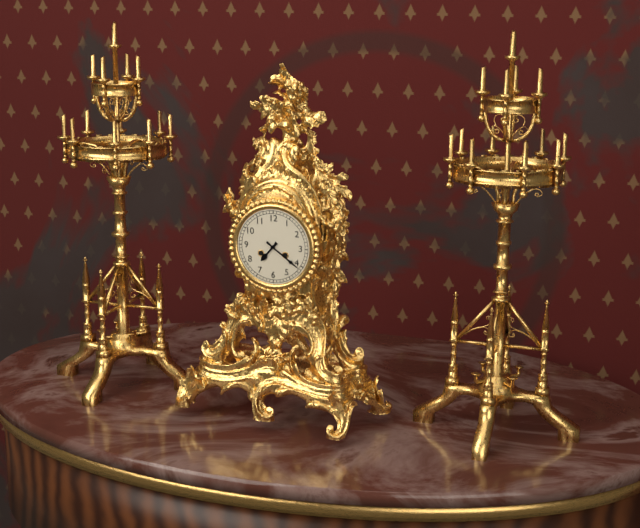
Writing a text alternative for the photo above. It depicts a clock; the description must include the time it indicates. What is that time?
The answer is 7:21
